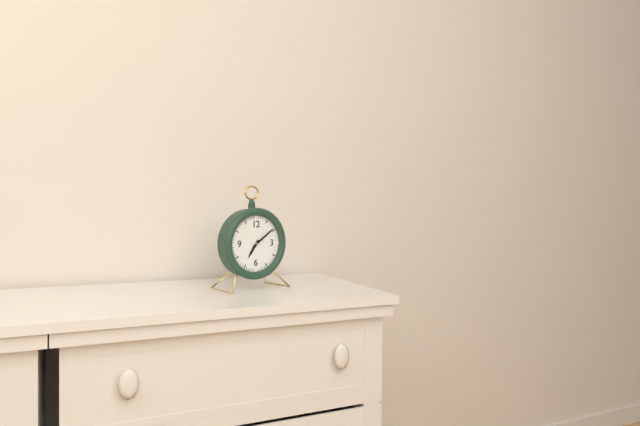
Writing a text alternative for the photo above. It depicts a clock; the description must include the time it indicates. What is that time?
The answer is 7:09
